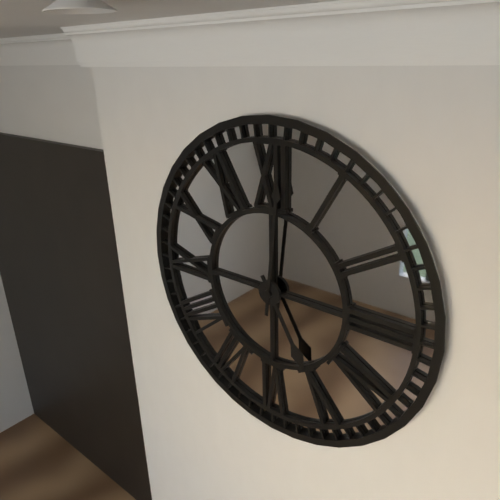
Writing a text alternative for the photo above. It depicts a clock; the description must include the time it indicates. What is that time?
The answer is 5:01
